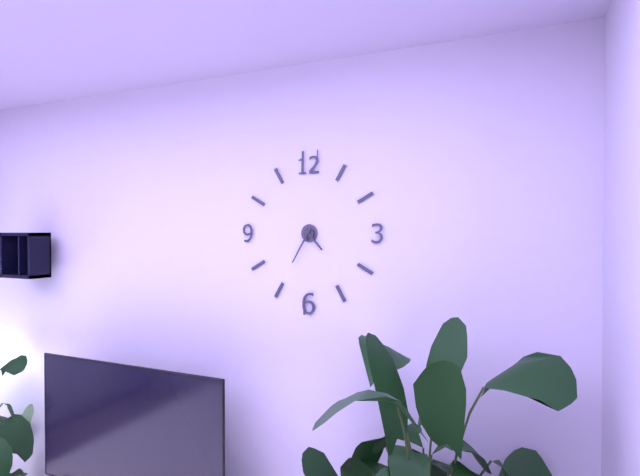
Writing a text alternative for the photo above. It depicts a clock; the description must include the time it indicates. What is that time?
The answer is 4:35
